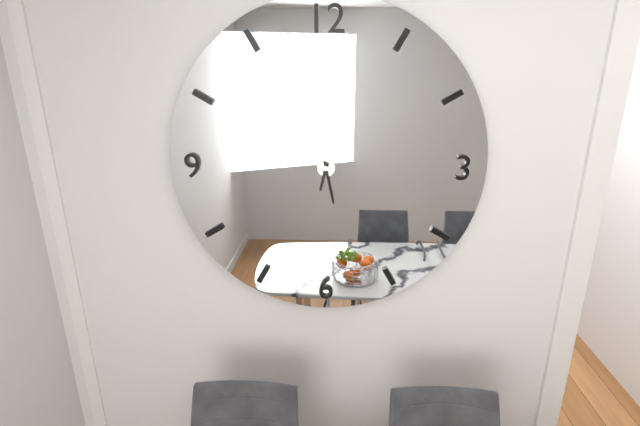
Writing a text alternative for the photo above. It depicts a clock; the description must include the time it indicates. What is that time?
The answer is 6:28
